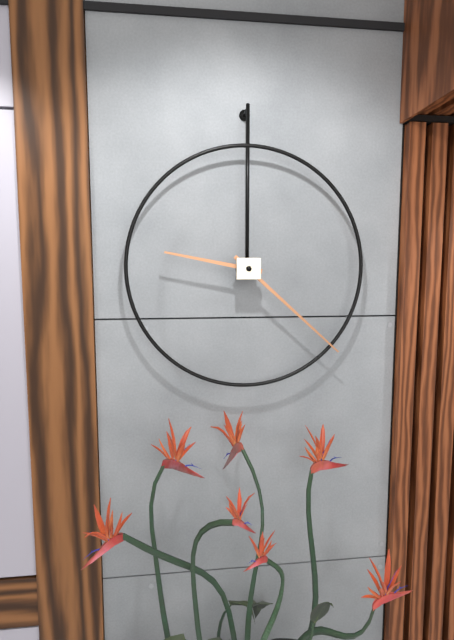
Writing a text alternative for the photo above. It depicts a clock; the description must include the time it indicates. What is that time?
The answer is 9:22
